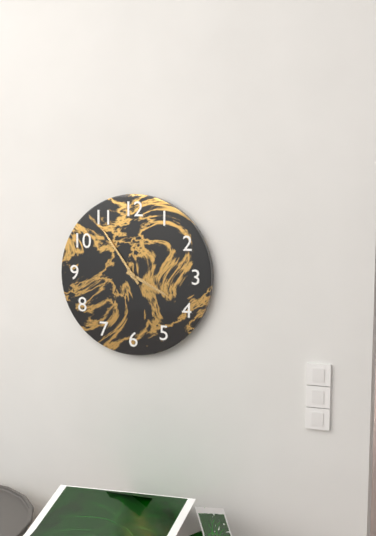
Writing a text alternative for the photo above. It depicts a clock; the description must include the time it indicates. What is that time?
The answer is 3:54
